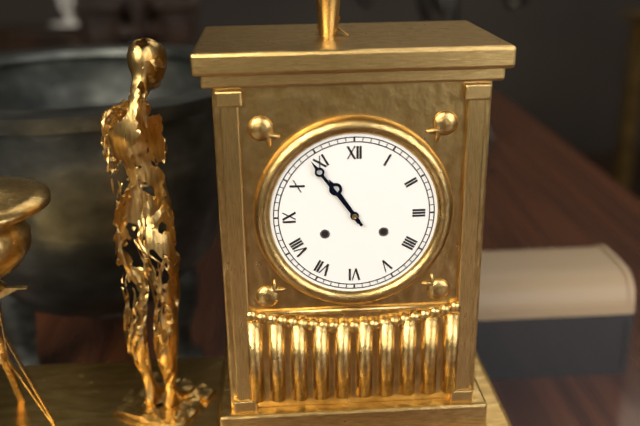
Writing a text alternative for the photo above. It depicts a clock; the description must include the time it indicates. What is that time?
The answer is 10:54
